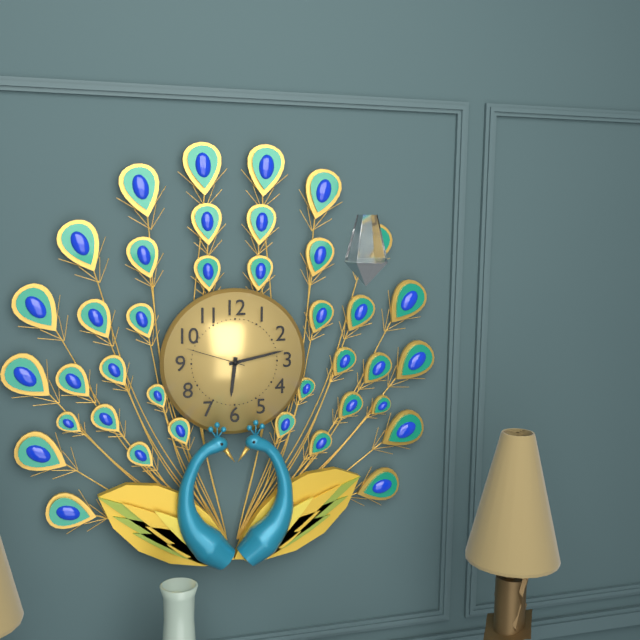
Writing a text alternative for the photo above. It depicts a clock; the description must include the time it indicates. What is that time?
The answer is 6:13:48
